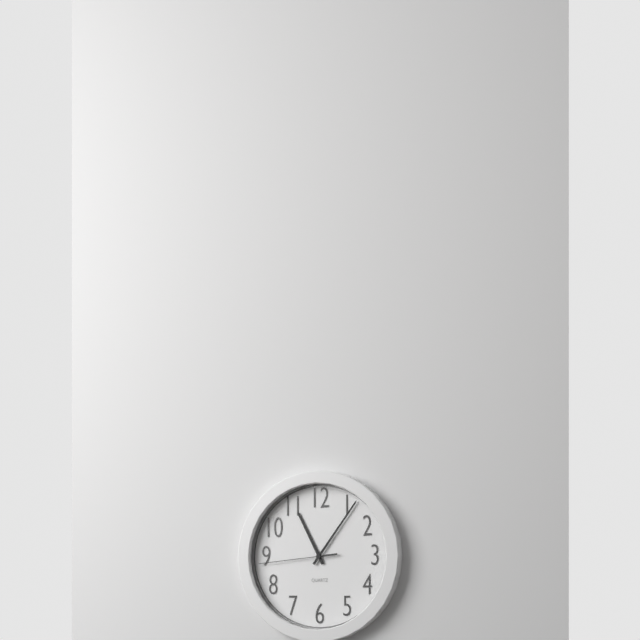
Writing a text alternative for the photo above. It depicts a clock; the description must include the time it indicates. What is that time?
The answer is 11:06:44
